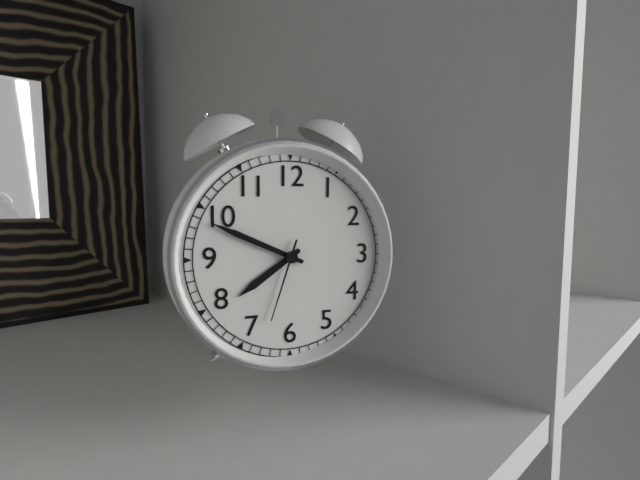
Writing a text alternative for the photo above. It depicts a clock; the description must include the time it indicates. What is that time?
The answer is 7:49:33
